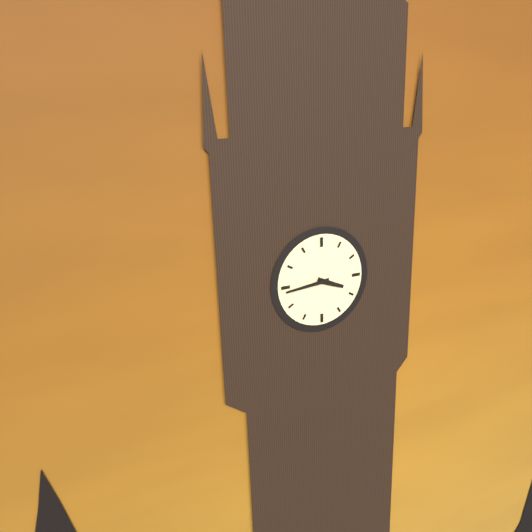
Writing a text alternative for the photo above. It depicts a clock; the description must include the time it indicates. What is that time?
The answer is 3:44
